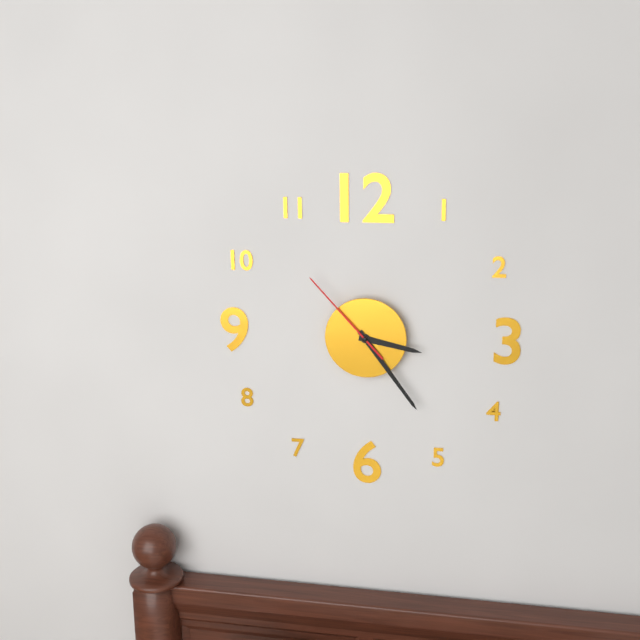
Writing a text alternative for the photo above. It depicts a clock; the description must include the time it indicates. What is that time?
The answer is 3:24:53
